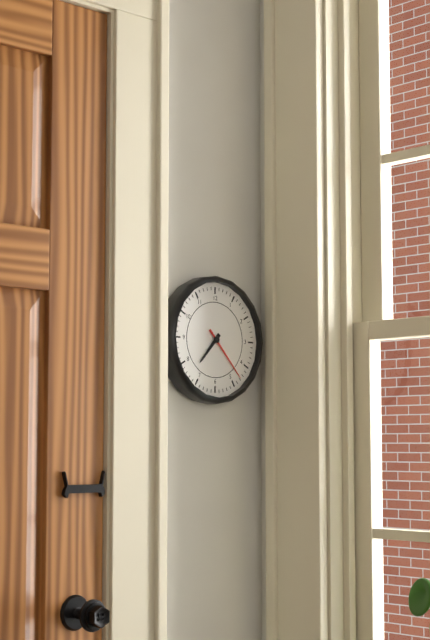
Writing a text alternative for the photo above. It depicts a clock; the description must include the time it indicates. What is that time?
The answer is 7:23
